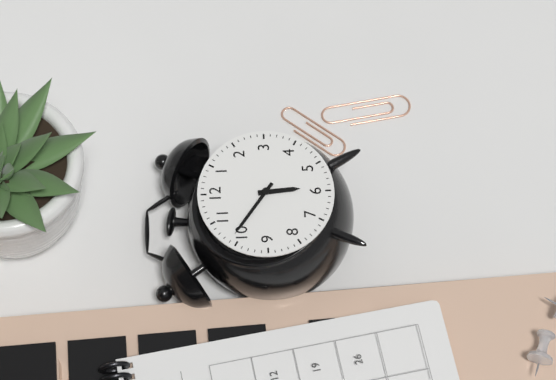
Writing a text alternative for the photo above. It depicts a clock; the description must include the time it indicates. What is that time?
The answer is 5:51
